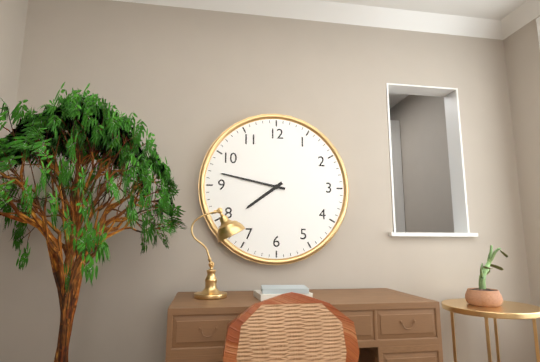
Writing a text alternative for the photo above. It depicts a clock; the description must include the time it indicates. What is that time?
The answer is 7:47
